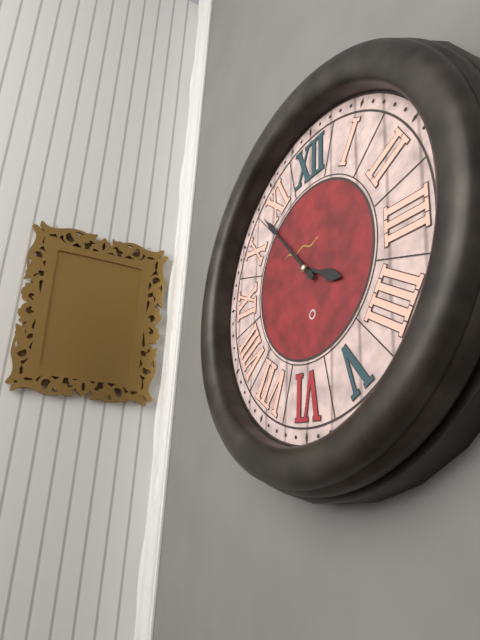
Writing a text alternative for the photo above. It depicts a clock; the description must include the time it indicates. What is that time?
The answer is 3:53
